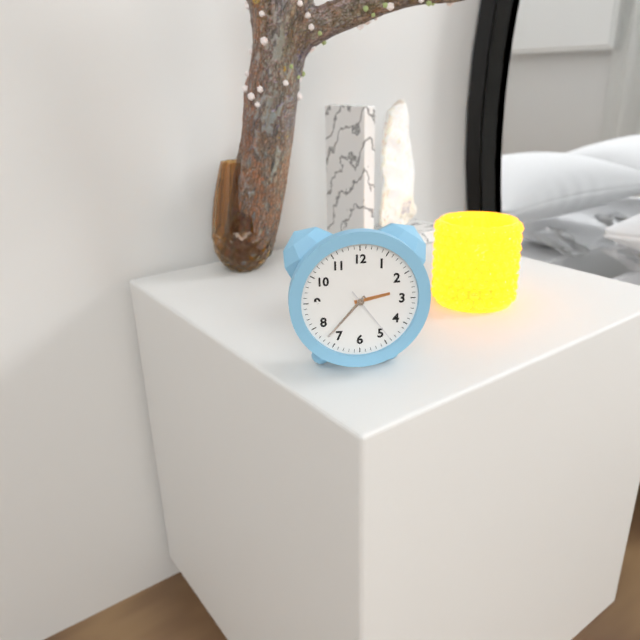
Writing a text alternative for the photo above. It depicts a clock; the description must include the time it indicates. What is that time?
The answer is 2:37:24
